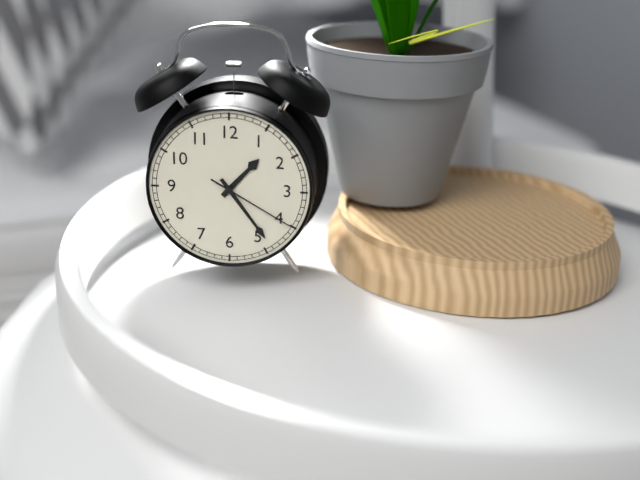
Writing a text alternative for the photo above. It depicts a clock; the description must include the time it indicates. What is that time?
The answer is 1:24:20
